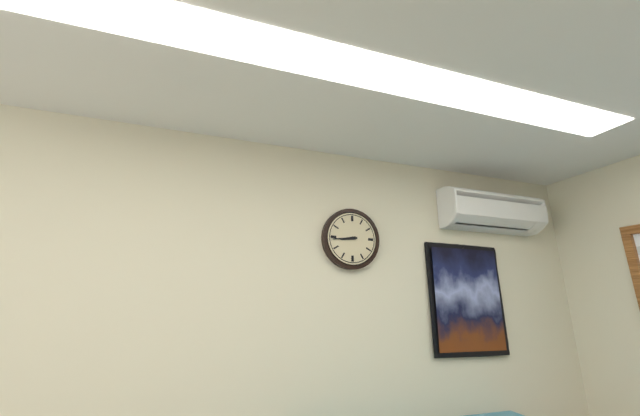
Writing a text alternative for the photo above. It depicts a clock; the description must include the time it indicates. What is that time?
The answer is 8:44
